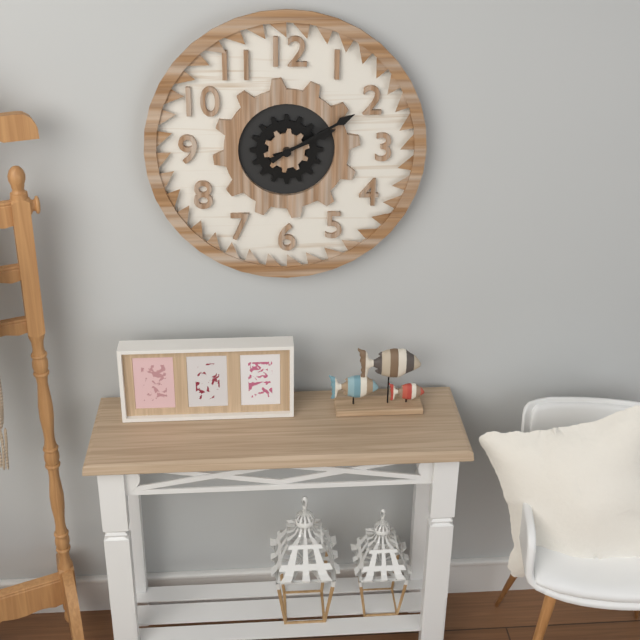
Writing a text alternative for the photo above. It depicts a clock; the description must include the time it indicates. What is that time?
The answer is 2:10
